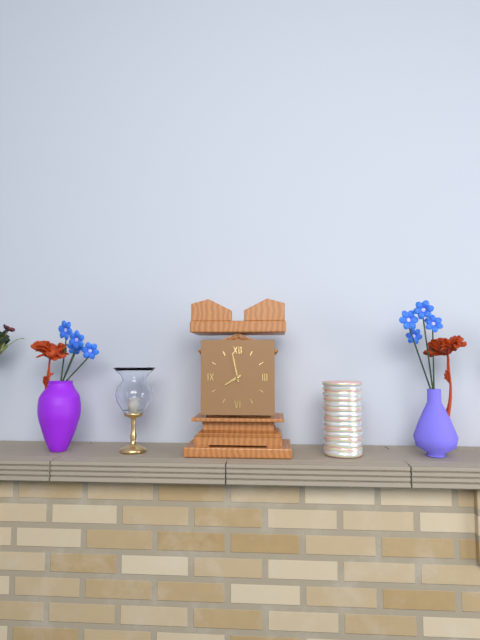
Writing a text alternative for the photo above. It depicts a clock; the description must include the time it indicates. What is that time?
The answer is 7:58
